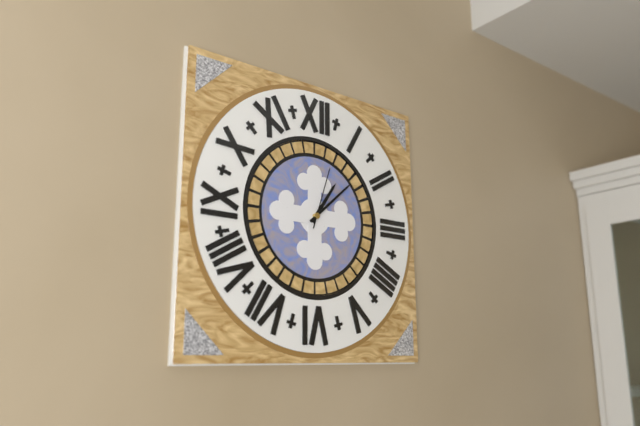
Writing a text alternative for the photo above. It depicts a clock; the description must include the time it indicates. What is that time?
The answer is 1:08:03
